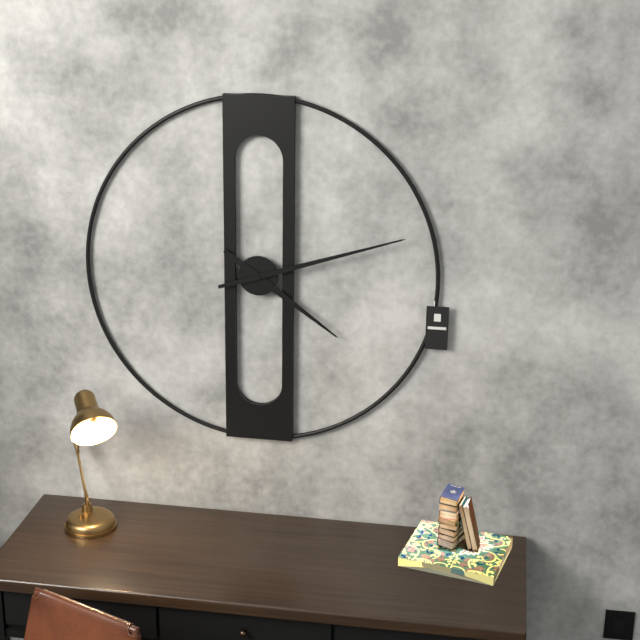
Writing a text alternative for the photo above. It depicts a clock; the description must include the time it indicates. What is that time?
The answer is 4:12
